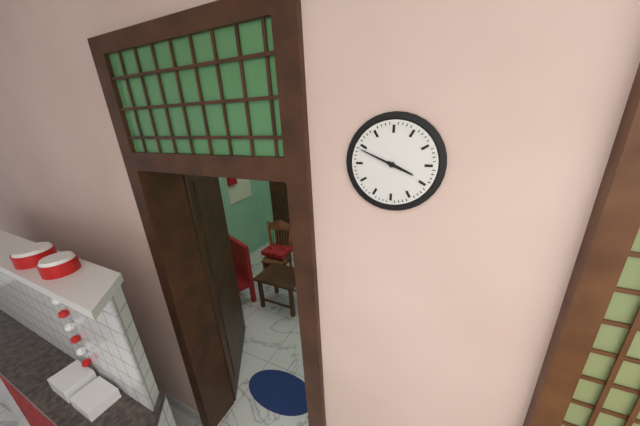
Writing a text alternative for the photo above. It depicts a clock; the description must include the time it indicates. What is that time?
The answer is 3:49
